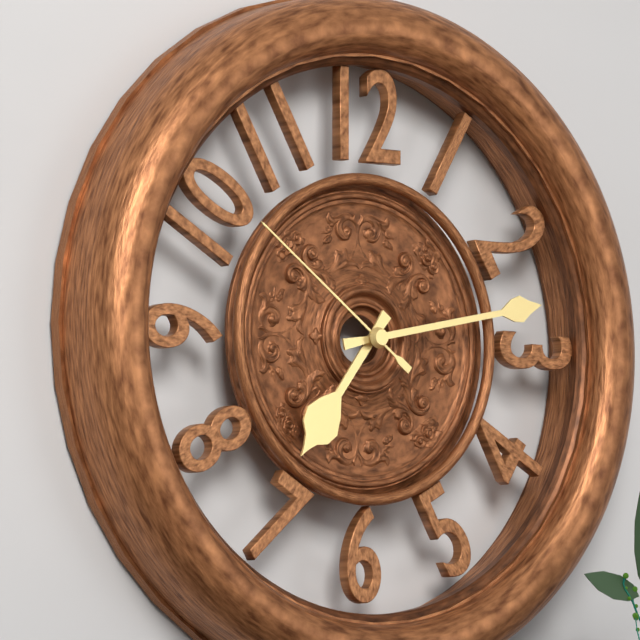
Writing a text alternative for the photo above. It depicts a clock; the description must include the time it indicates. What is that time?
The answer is 7:13:51
